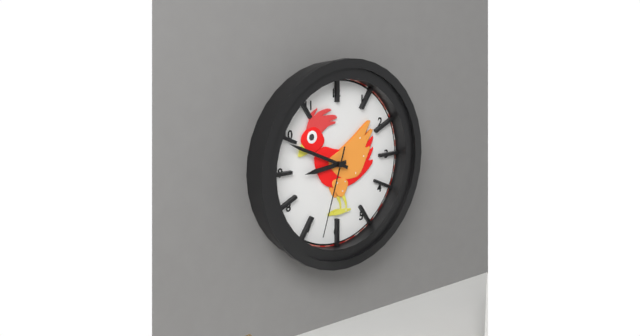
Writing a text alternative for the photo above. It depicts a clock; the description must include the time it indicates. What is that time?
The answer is 8:49:33
